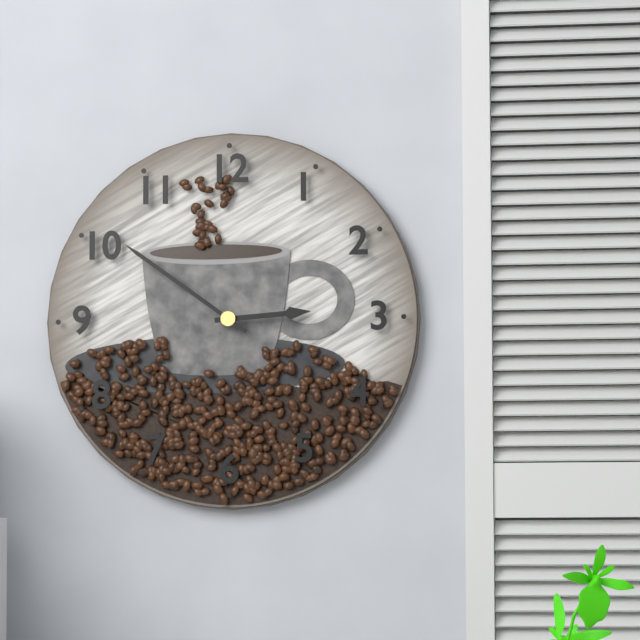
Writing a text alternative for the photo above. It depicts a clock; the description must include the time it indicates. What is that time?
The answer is 2:51
